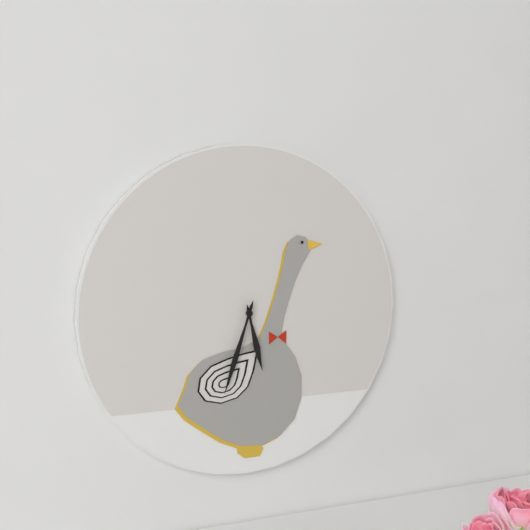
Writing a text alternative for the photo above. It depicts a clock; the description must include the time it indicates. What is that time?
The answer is 5:33
